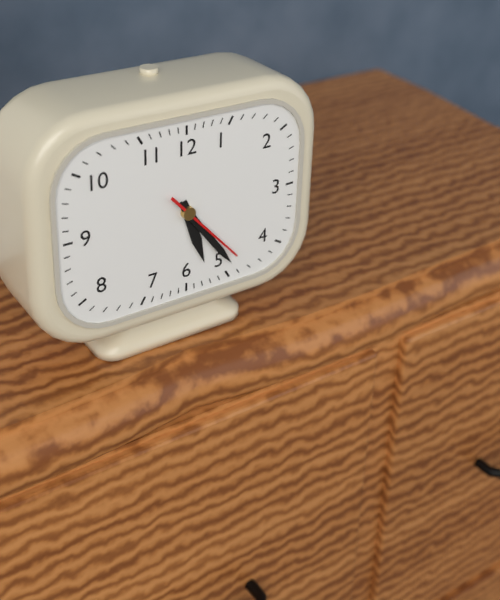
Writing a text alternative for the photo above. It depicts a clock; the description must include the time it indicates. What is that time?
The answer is 5:24:23
